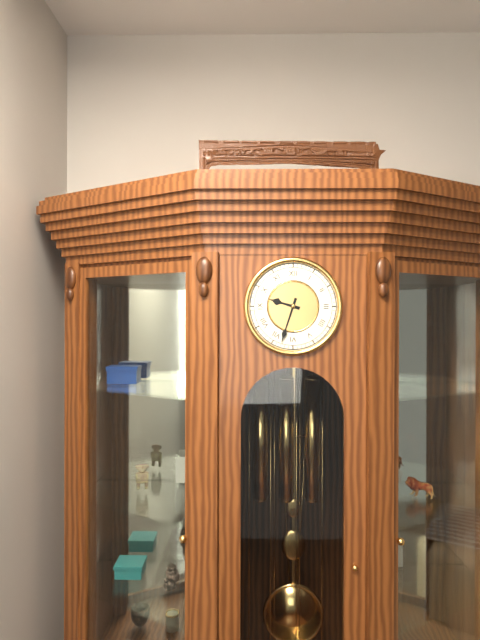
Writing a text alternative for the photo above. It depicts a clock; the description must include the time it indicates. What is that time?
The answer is 9:33
